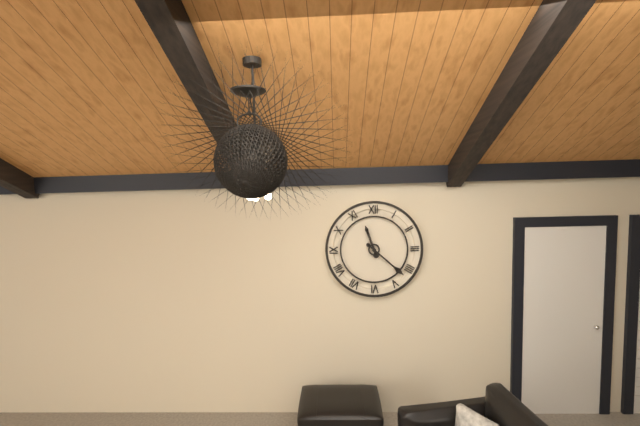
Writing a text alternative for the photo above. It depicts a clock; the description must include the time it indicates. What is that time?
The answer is 11:22
